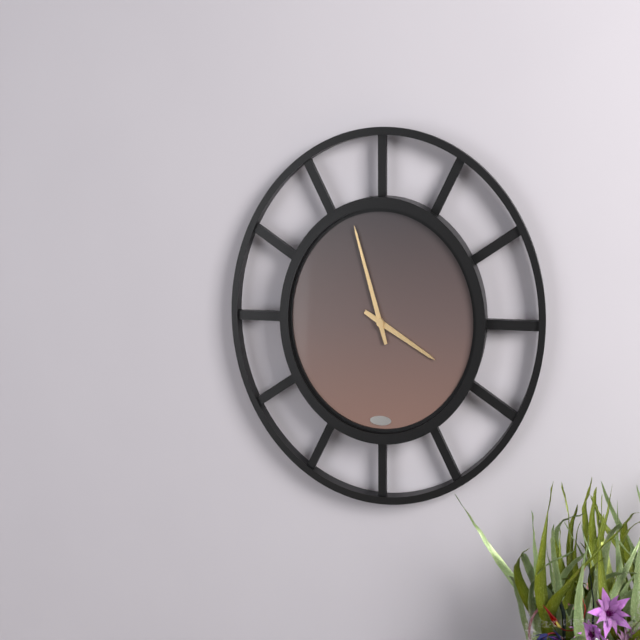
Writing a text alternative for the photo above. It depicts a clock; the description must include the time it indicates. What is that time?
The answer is 3:57
